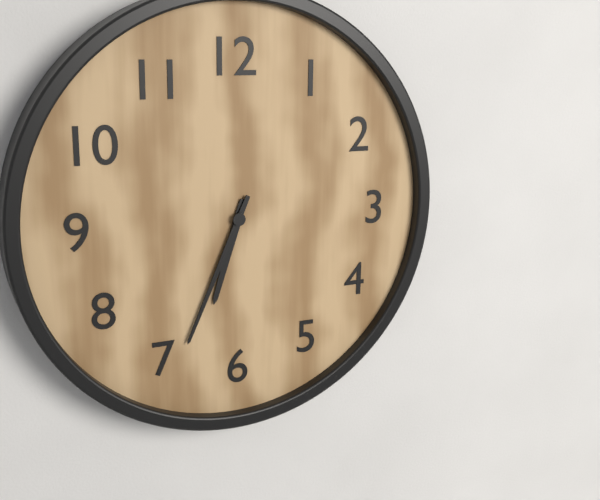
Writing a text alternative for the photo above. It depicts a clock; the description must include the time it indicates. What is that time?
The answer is 6:34
